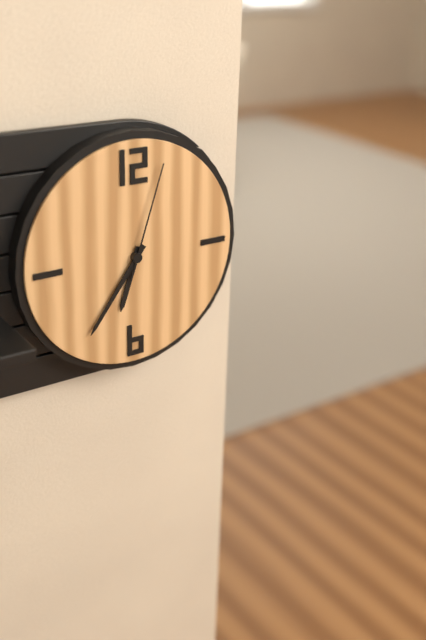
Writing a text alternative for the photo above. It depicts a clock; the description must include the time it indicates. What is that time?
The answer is 6:36:03
